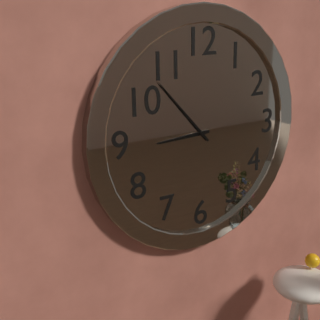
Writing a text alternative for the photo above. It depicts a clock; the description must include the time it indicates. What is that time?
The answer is 8:53
